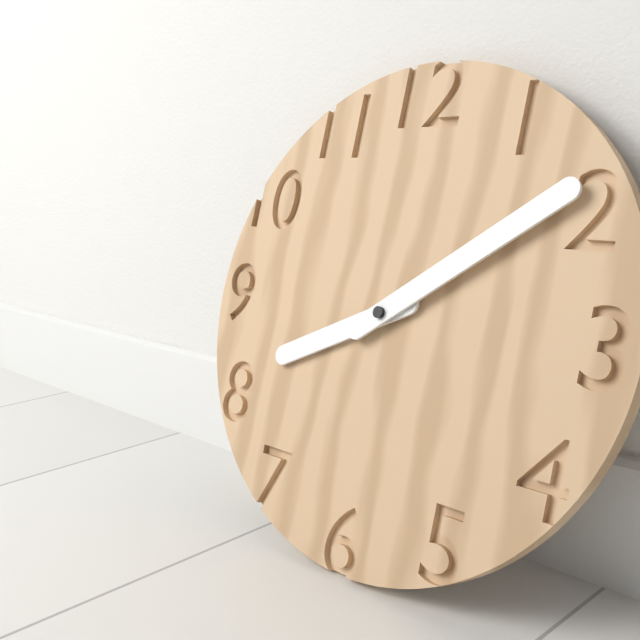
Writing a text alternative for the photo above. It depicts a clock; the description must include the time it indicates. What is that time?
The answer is 8:09
